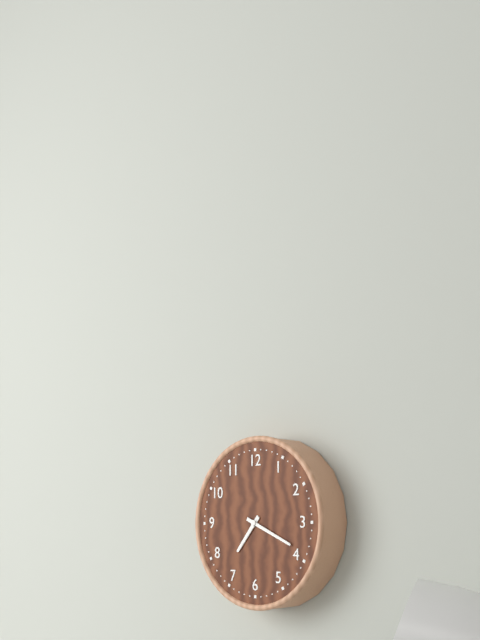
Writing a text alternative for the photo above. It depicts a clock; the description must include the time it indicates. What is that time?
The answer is 7:19
